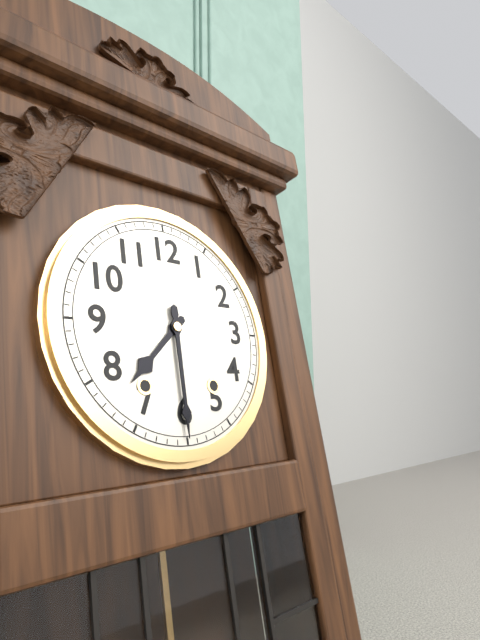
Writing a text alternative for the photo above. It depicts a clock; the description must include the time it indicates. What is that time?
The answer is 7:30
